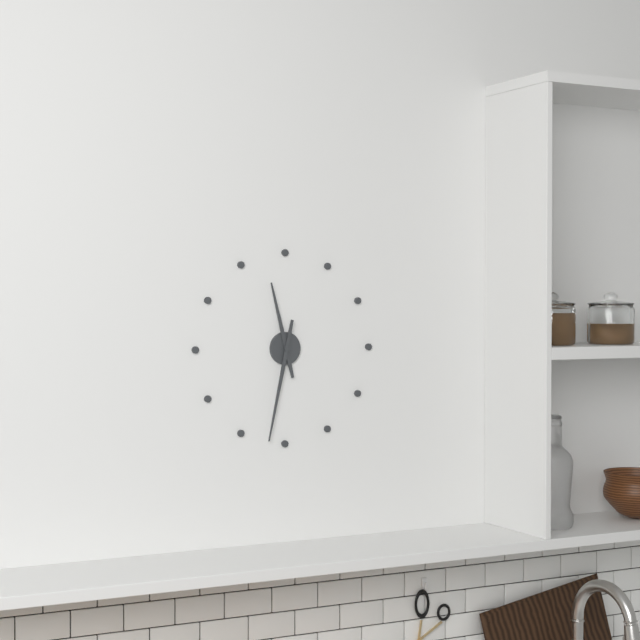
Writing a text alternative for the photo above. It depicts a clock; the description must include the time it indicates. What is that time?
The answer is 11:32
